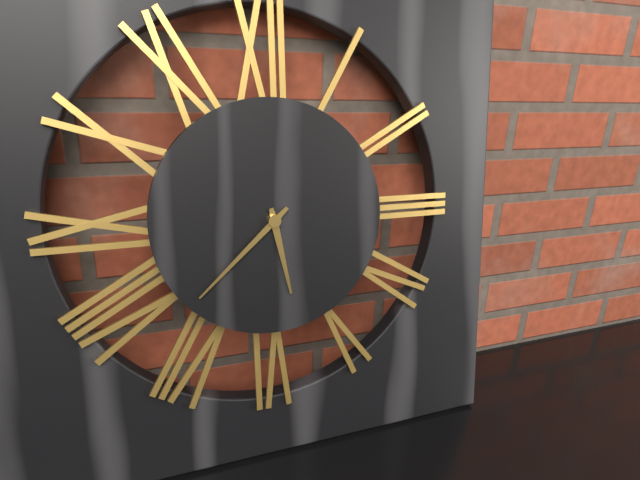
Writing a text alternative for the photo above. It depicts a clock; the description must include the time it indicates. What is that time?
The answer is 5:38
